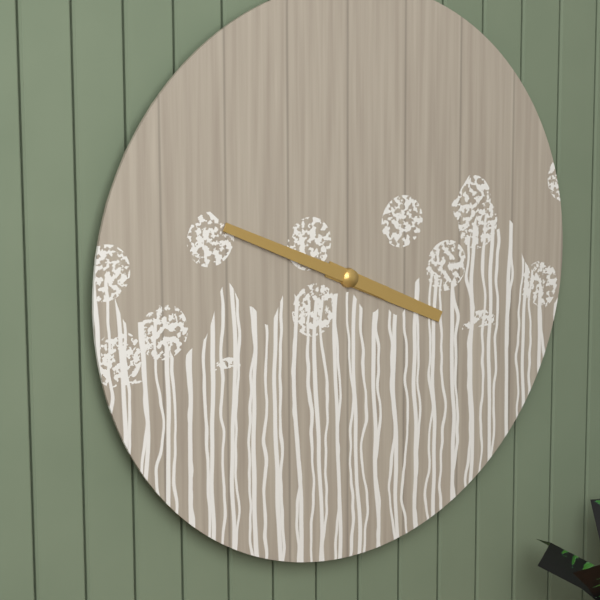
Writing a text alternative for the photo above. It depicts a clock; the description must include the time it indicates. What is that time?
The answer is 3:49
